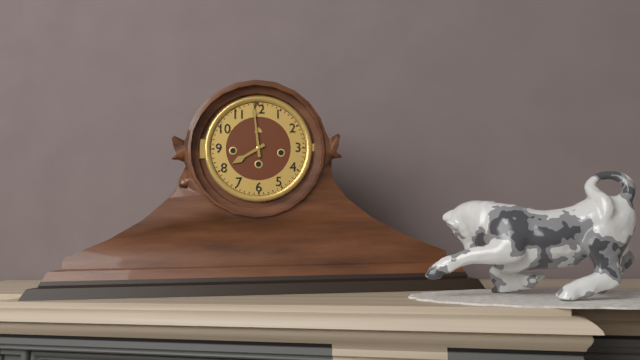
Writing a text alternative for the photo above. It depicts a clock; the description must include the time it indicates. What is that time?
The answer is 7:59
